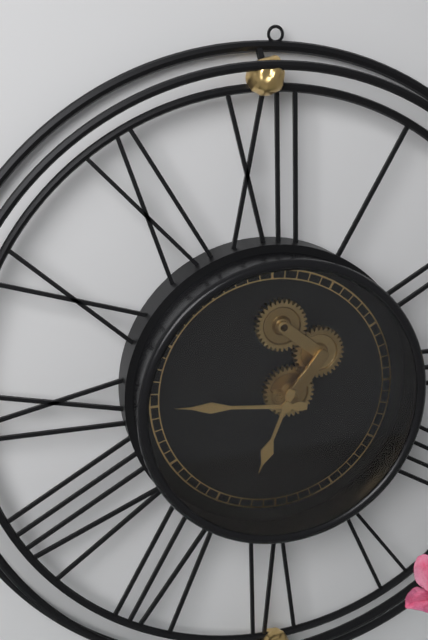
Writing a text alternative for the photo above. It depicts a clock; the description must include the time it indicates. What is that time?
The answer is 6:46
